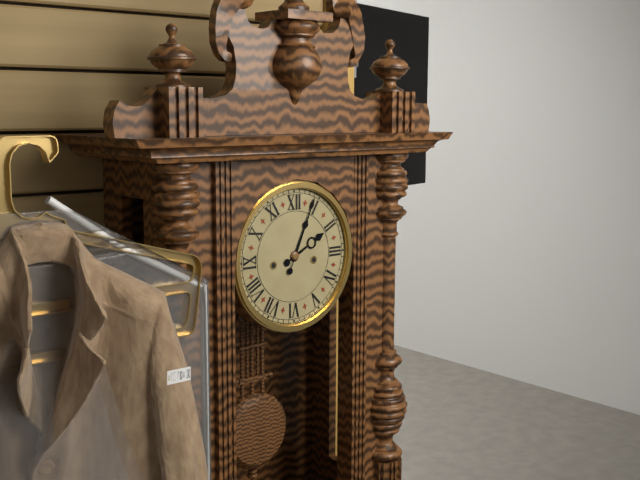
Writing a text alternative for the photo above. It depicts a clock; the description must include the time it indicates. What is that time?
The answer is 2:04
